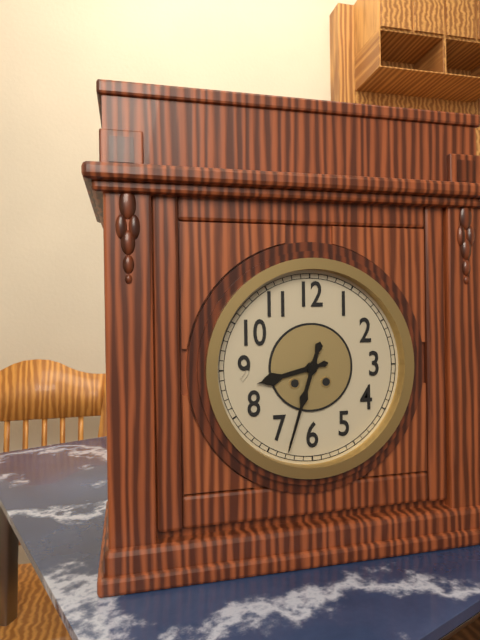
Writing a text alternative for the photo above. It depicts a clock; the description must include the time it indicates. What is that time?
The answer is 8:33
